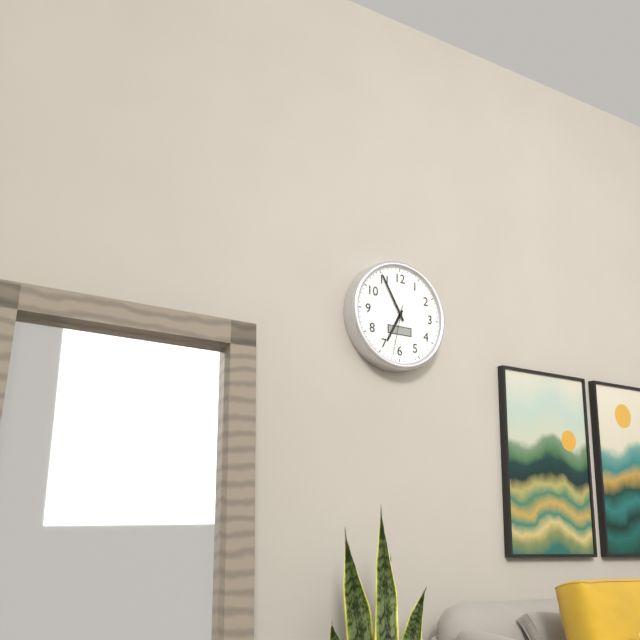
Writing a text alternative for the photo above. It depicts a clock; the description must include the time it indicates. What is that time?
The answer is 6:55:32
